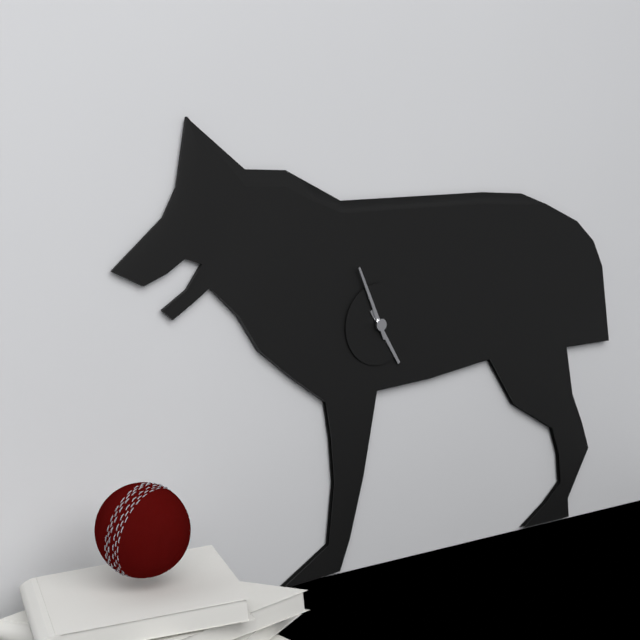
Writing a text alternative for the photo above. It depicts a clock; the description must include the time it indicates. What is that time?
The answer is 4:56
